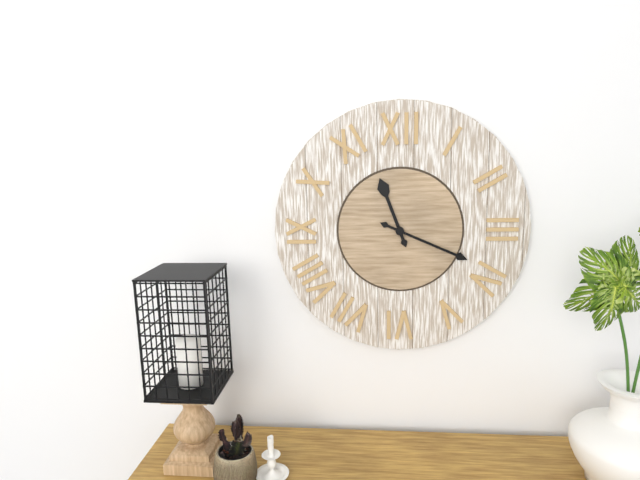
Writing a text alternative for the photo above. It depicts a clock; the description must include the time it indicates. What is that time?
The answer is 11:19
